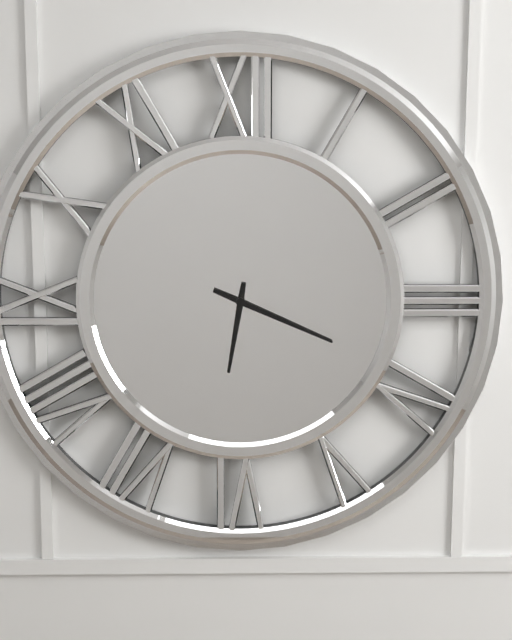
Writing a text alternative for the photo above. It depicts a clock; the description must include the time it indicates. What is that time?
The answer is 6:19
